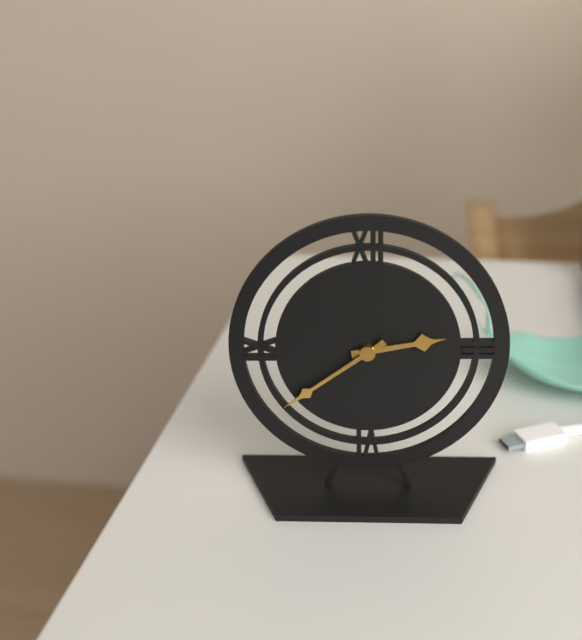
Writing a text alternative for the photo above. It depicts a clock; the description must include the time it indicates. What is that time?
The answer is 2:39
